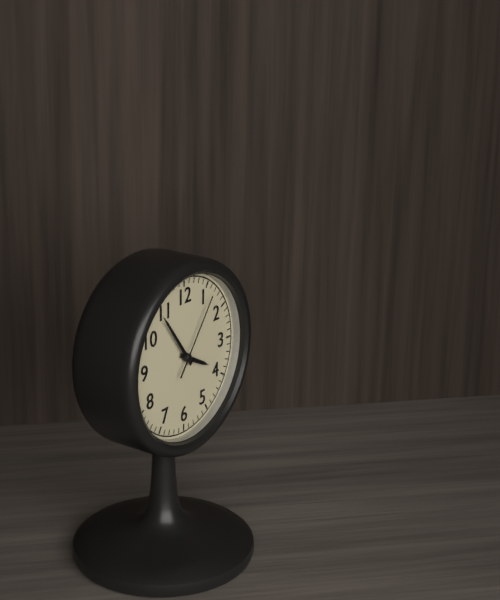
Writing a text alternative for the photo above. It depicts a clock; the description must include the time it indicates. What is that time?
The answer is 3:54:06
